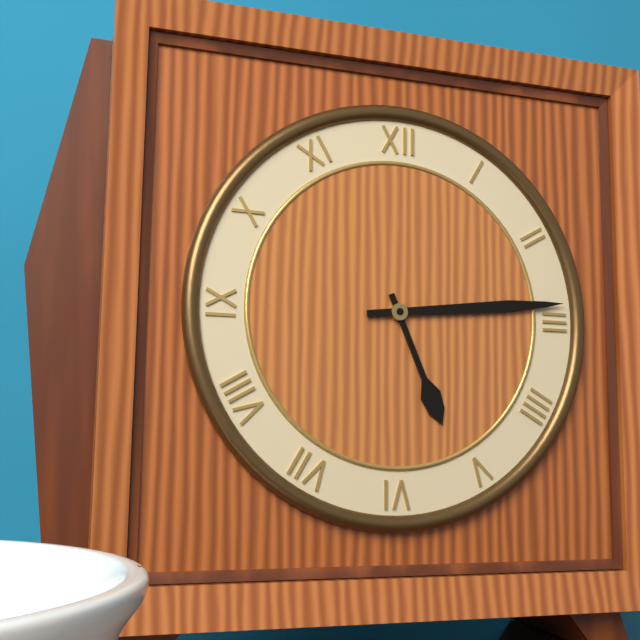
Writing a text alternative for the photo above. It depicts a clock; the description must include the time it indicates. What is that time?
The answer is 5:14
